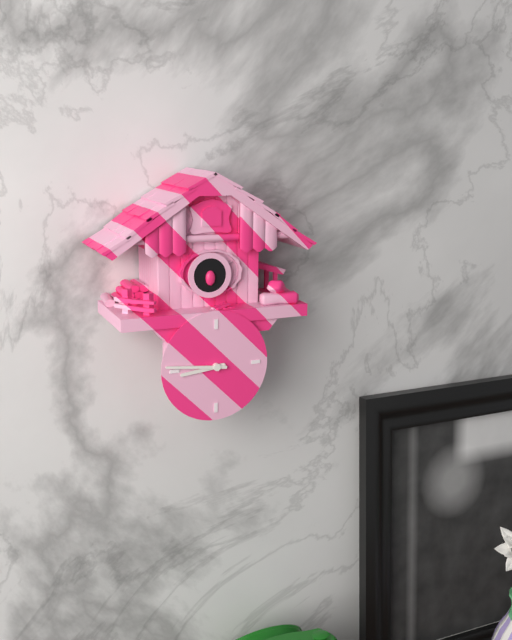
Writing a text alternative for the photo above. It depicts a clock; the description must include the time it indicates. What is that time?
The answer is 8:46
